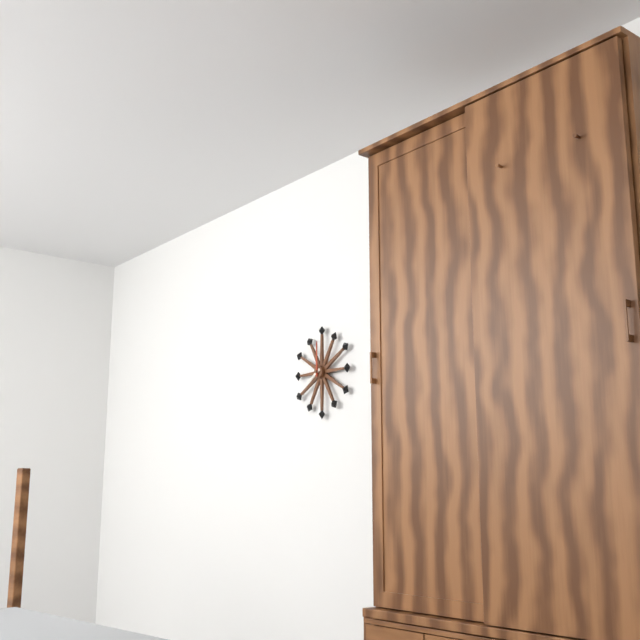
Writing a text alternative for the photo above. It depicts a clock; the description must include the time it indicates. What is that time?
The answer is 8:00
